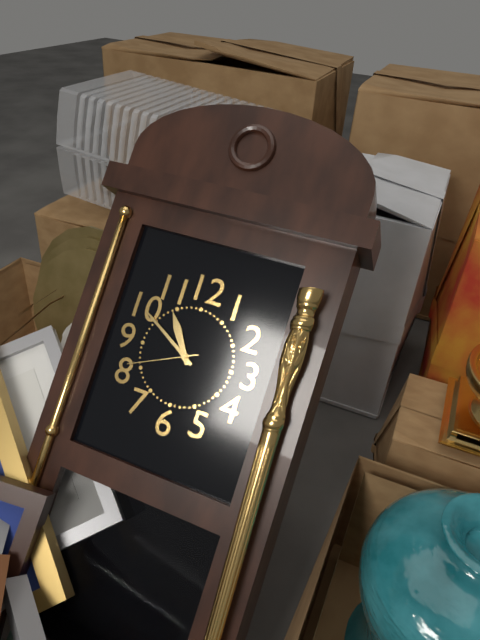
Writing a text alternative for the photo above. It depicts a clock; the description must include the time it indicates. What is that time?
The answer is 10:50:41
